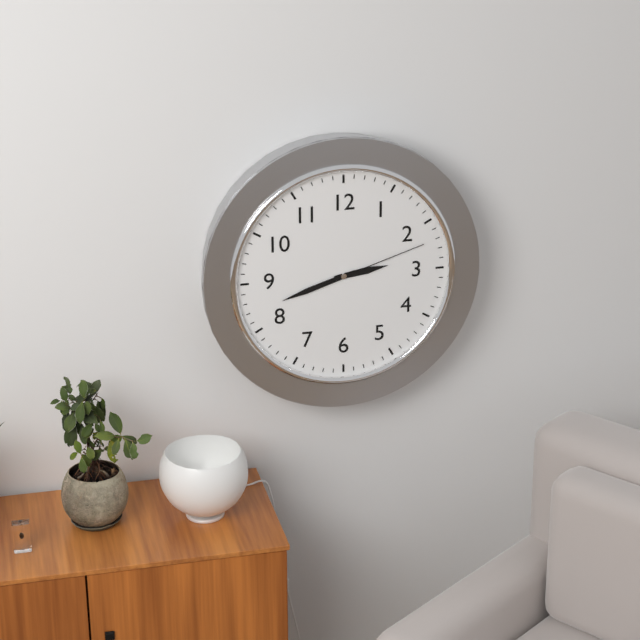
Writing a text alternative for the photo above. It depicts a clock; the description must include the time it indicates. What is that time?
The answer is 2:42:12
